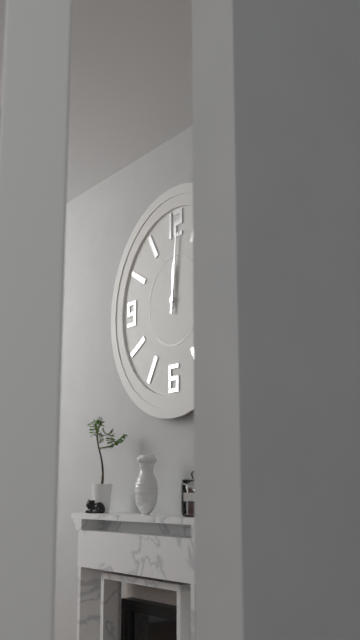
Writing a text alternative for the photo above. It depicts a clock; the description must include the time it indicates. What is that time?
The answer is 12:01
